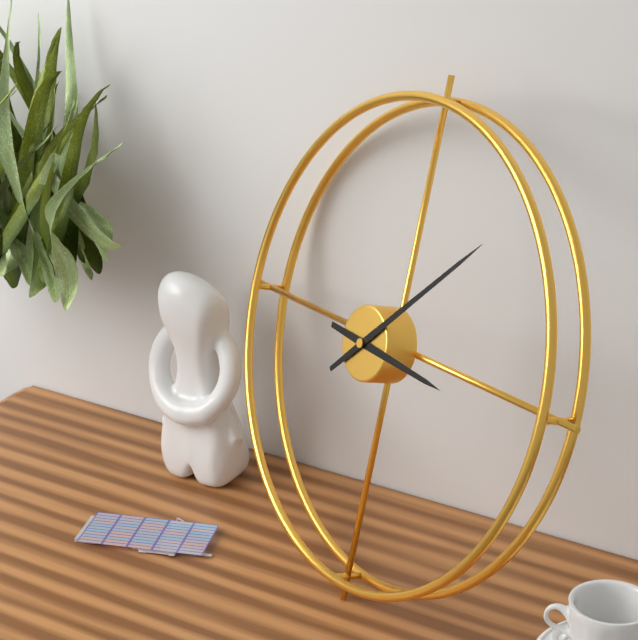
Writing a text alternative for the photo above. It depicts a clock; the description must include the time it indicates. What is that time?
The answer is 3:08
